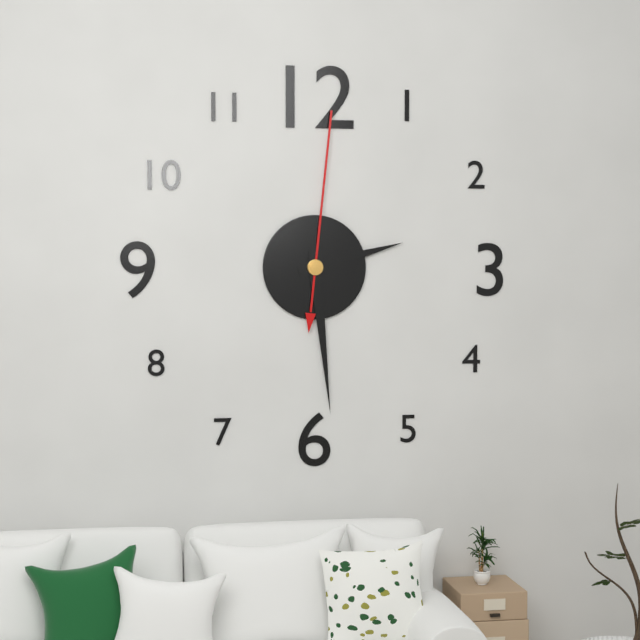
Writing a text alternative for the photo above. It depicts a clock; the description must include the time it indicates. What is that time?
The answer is 2:29:01
